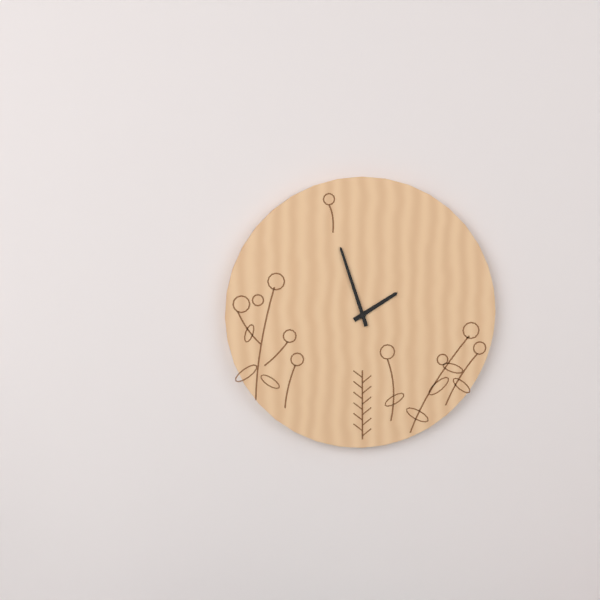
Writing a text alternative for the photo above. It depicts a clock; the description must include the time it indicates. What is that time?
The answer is 1:57
